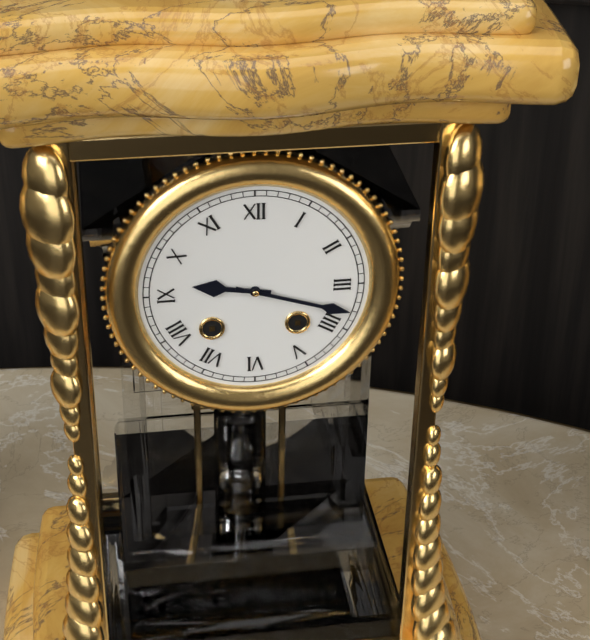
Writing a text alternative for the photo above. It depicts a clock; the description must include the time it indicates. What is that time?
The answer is 9:18
